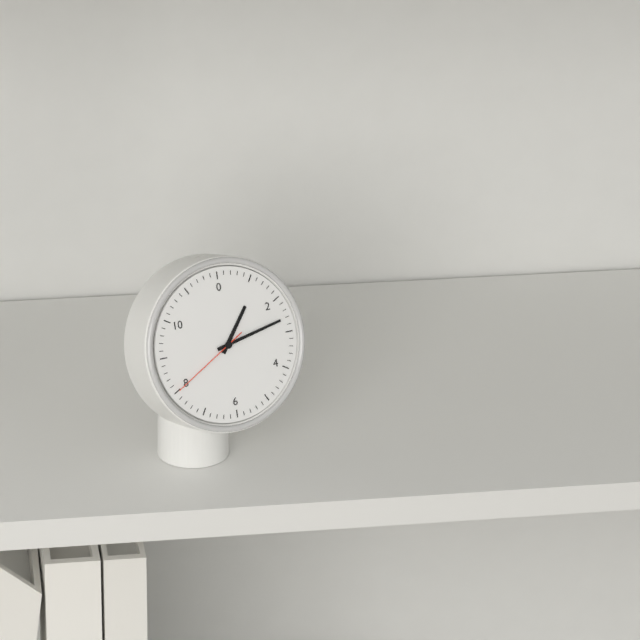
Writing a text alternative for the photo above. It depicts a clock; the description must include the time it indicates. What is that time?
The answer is 1:13:40
